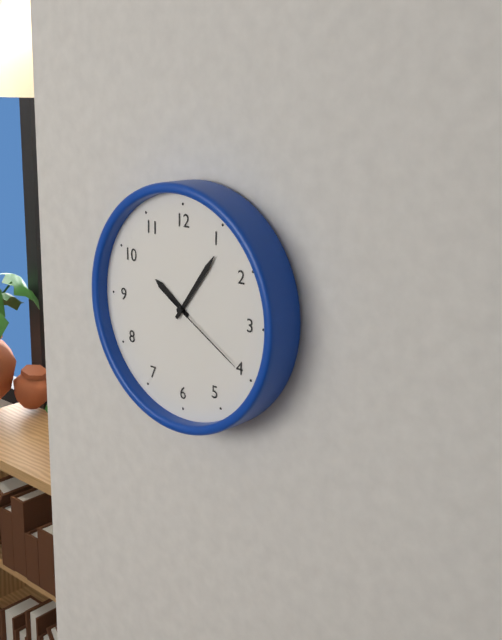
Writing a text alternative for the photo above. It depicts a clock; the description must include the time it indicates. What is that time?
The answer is 10:06:20
